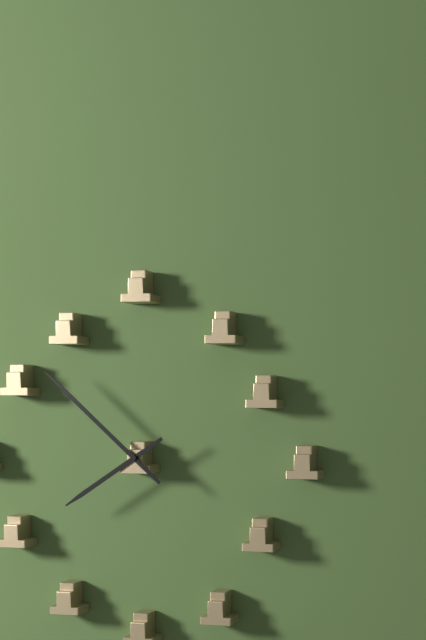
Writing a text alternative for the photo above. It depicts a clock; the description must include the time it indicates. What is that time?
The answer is 7:52
